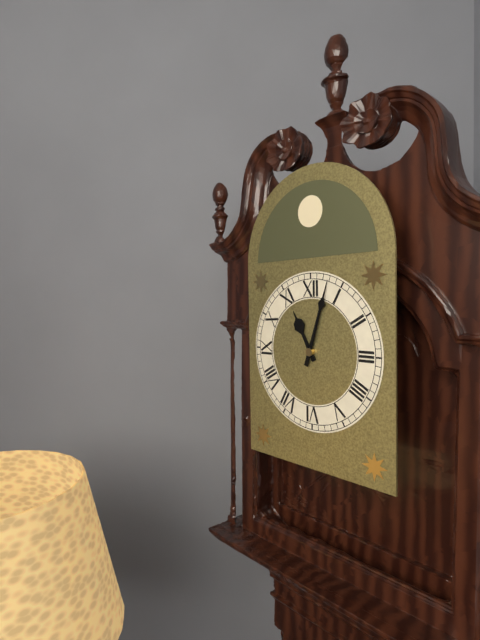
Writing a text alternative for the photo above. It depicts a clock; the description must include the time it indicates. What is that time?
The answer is 11:03
